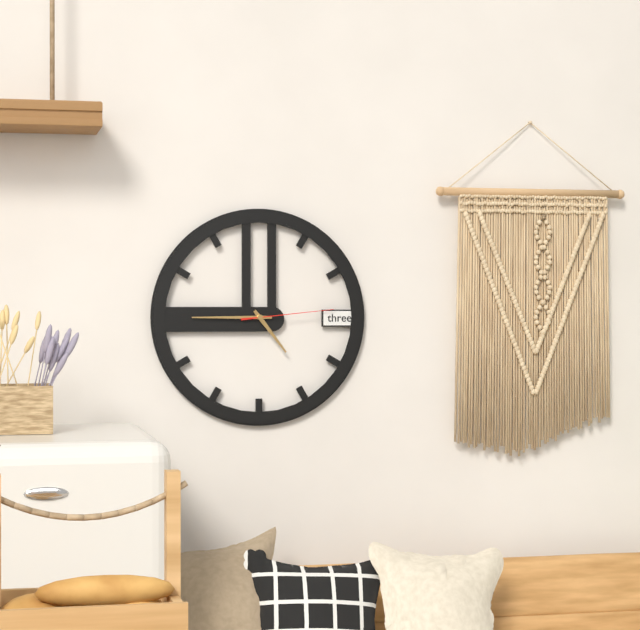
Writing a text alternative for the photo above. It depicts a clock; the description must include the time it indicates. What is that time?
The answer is 4:45:14
